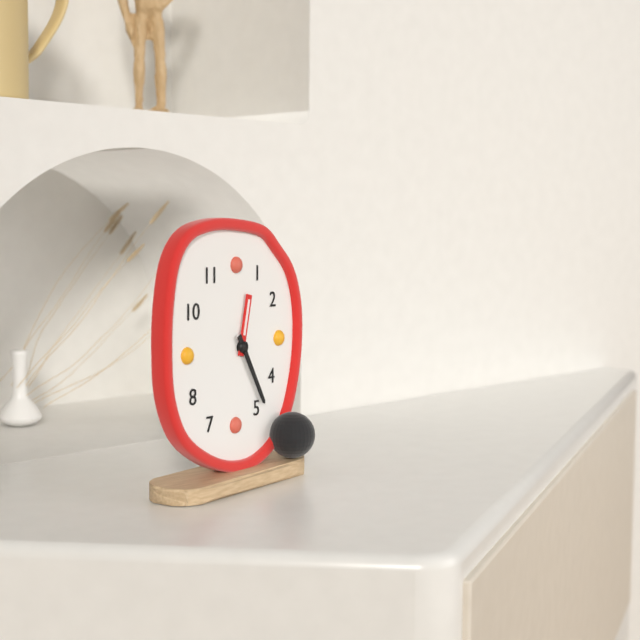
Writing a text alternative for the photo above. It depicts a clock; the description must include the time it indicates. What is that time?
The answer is 12:25
